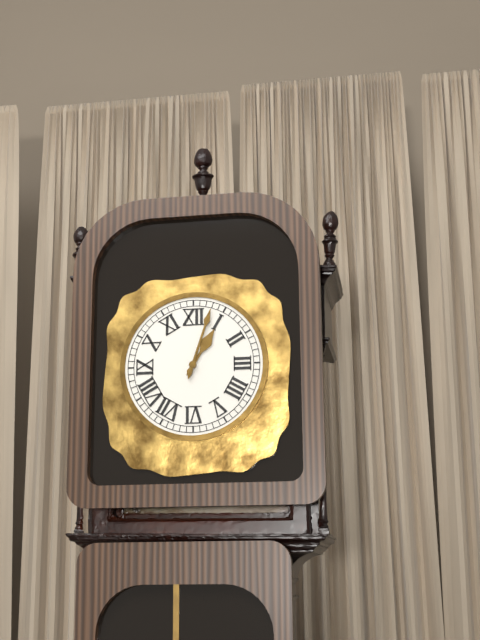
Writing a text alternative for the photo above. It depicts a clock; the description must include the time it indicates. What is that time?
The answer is 1:03
